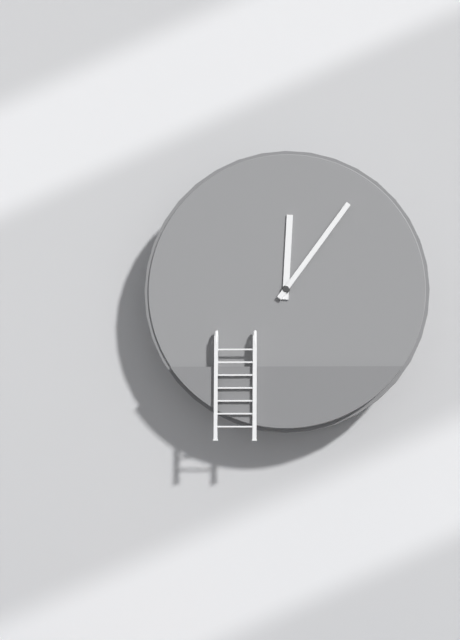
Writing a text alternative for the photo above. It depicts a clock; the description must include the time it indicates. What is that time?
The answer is 12:06
